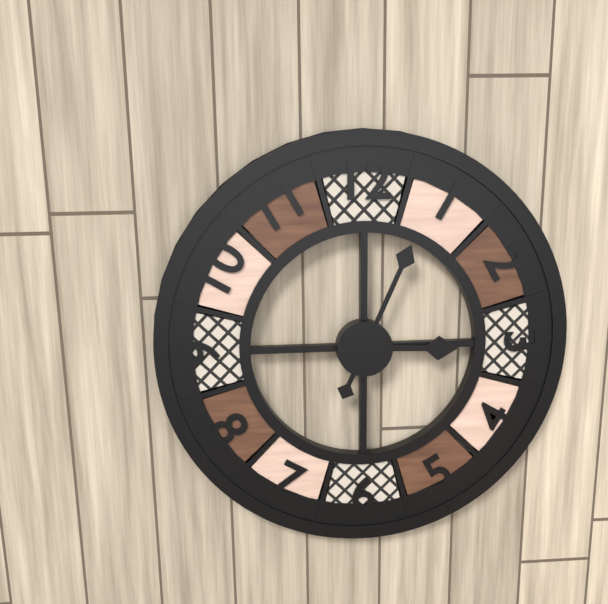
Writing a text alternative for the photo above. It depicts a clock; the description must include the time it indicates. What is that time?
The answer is 3:04
